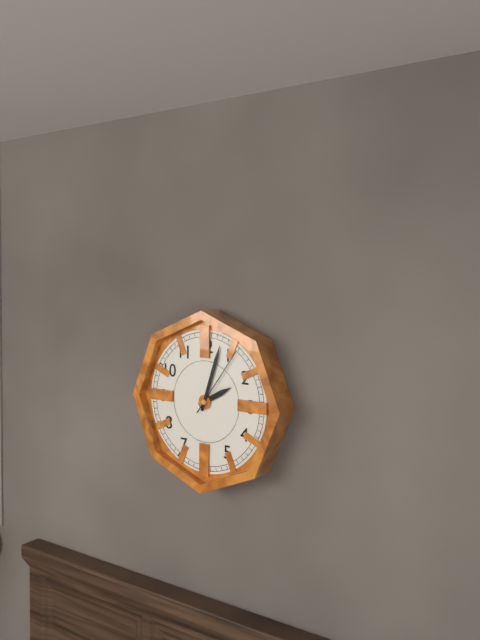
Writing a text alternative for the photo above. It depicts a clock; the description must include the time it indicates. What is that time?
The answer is 2:03:06
